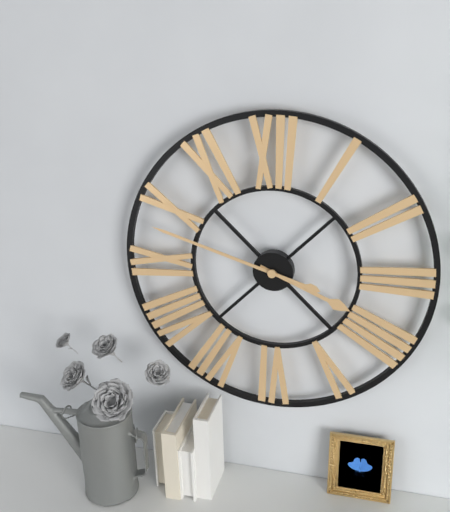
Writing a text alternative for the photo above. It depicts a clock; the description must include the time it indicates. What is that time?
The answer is 3:48
